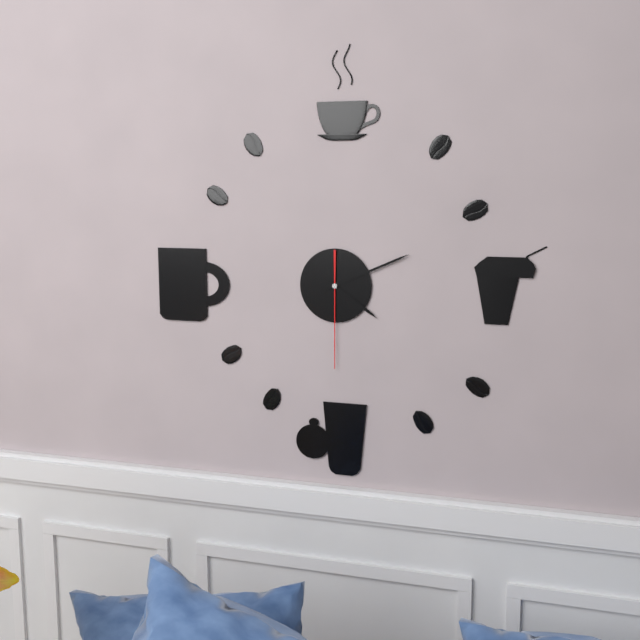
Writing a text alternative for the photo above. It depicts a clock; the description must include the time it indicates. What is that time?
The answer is 4:11:30
